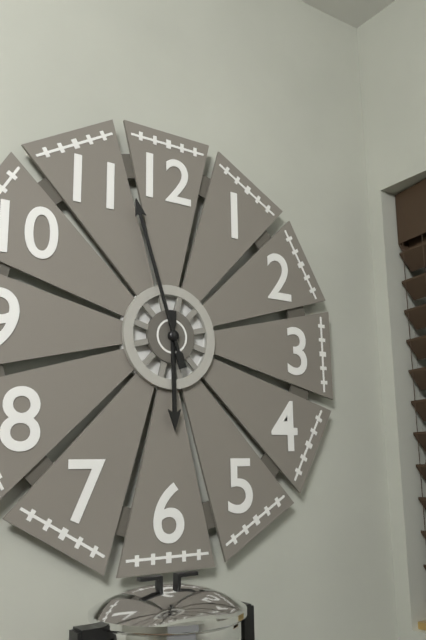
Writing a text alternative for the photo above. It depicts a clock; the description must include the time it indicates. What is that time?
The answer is 5:57
